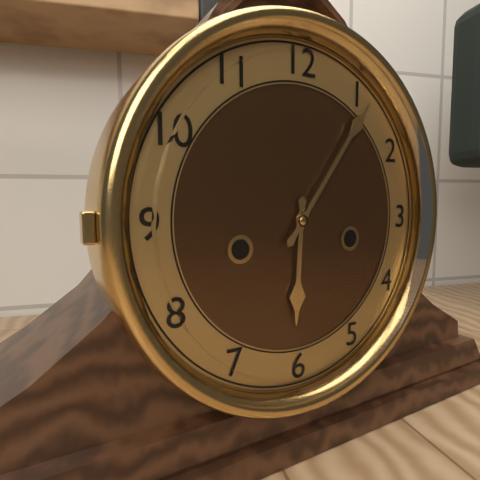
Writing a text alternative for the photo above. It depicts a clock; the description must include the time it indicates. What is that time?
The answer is 6:06
